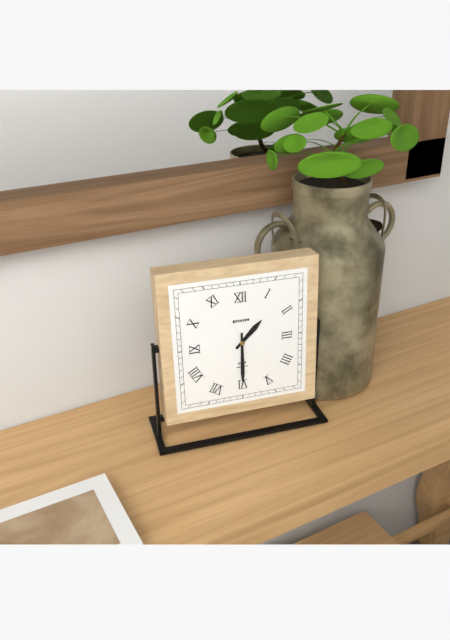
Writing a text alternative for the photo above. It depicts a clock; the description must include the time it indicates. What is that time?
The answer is 1:30
